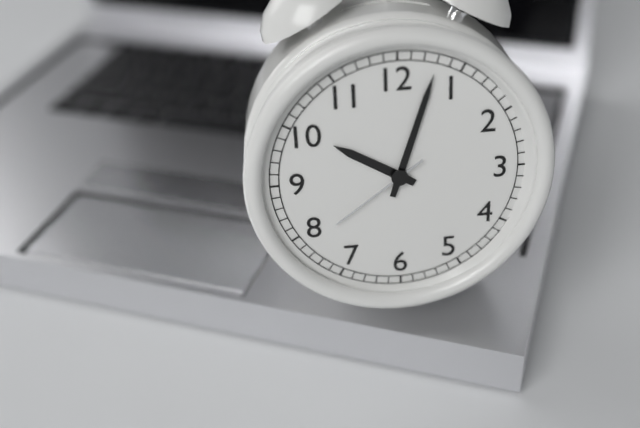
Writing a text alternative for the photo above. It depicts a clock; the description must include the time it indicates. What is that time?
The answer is 10:03:39
